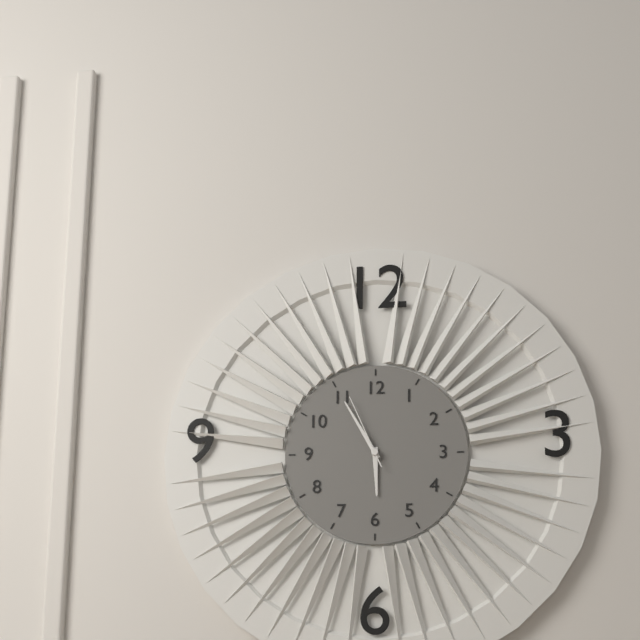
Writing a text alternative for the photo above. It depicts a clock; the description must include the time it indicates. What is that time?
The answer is 5:55:56
